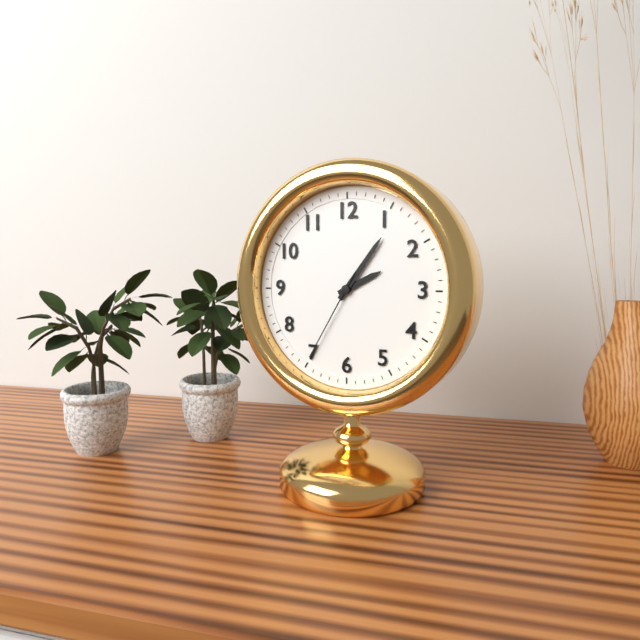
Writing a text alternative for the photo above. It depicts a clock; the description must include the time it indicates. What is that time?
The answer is 2:06:35
